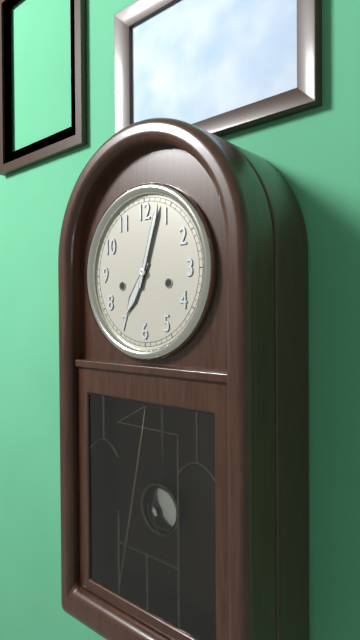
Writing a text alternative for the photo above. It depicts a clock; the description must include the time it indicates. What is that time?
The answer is 7:03
